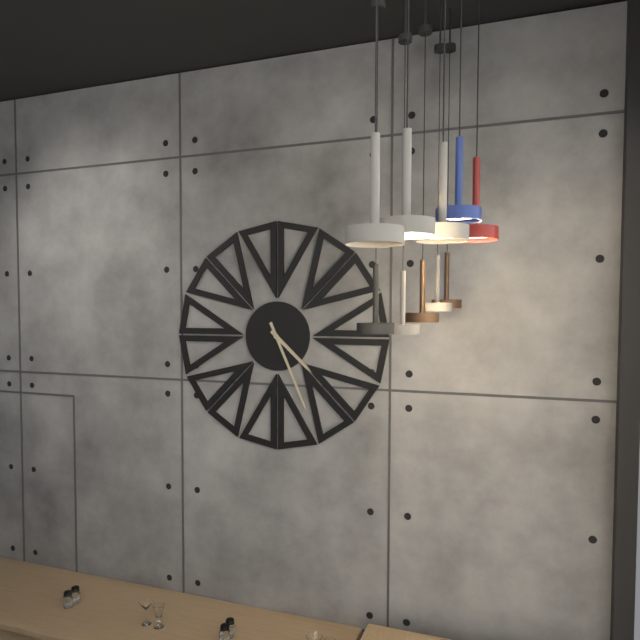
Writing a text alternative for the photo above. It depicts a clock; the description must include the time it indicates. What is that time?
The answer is 4:26
